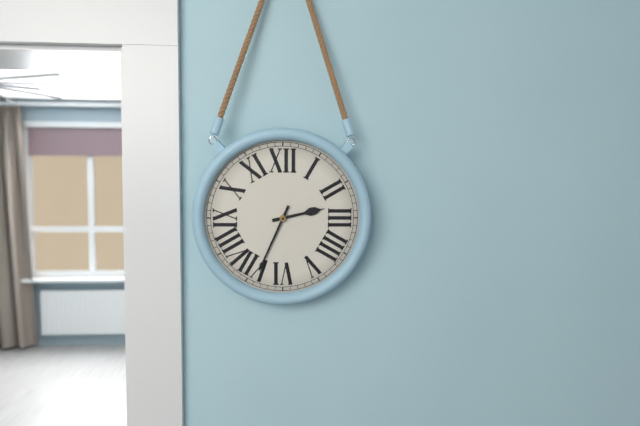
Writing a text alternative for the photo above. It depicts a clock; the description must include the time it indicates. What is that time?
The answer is 2:34
